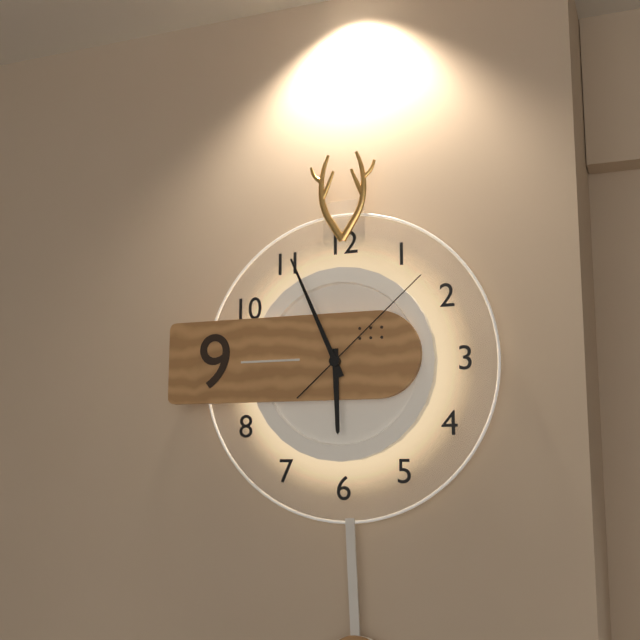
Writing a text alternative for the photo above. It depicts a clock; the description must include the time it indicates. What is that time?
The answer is 5:56:08
